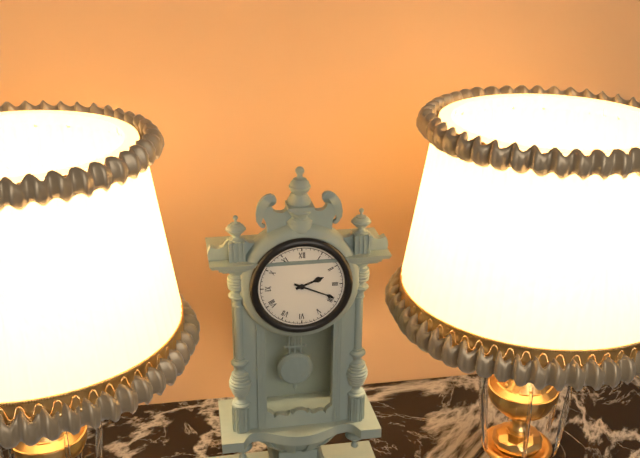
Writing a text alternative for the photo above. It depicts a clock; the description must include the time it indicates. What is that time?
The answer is 2:19
